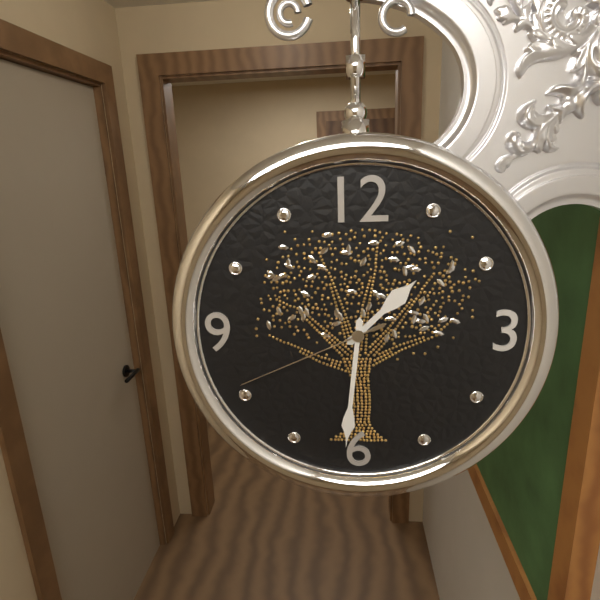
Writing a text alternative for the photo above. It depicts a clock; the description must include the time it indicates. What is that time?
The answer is 1:31:41
